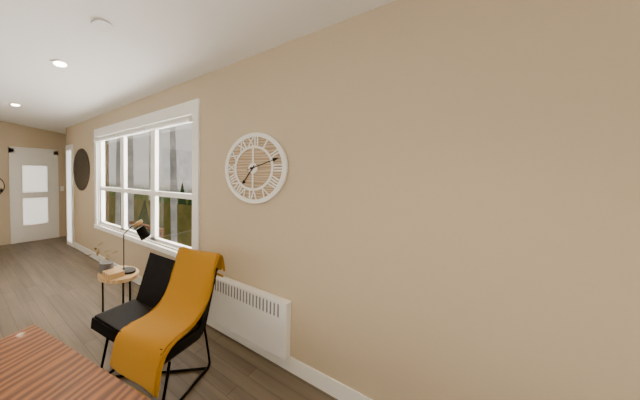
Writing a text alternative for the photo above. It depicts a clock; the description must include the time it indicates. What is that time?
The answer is 7:12
